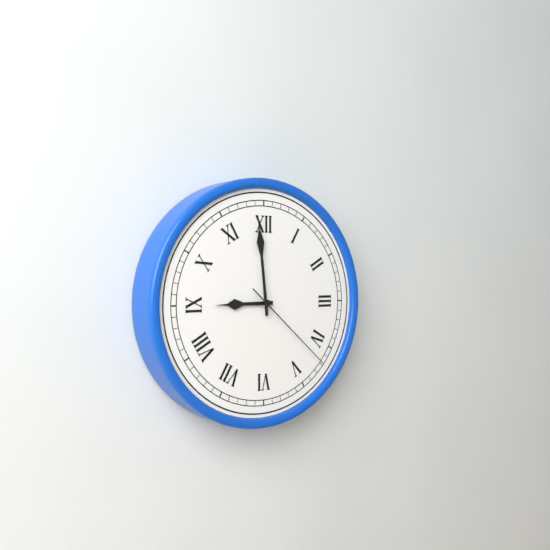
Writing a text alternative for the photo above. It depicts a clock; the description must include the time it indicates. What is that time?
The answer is 8:59:22
